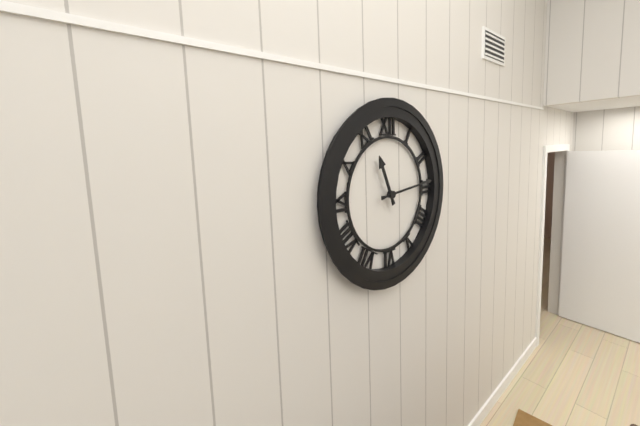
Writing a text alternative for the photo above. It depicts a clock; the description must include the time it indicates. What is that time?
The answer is 11:14
